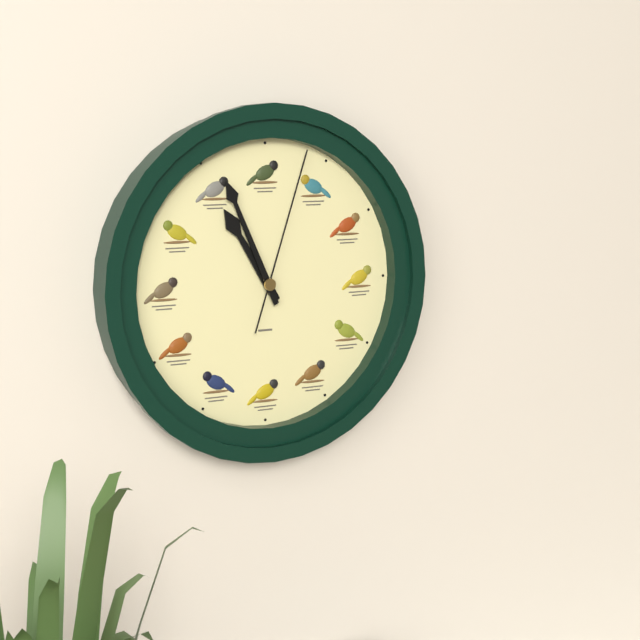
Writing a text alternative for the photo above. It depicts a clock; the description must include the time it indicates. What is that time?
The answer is 10:56:03
